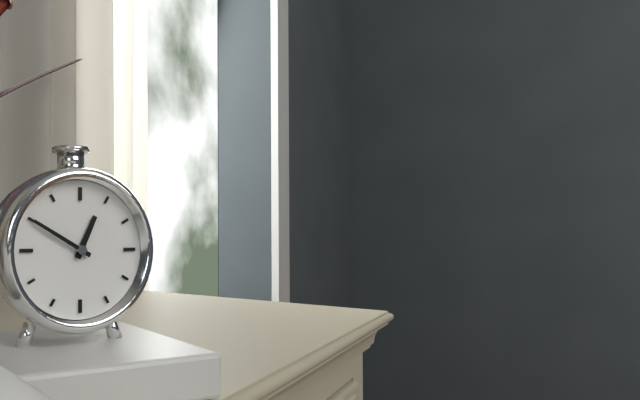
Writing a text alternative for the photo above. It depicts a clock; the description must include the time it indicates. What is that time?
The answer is 12:50
